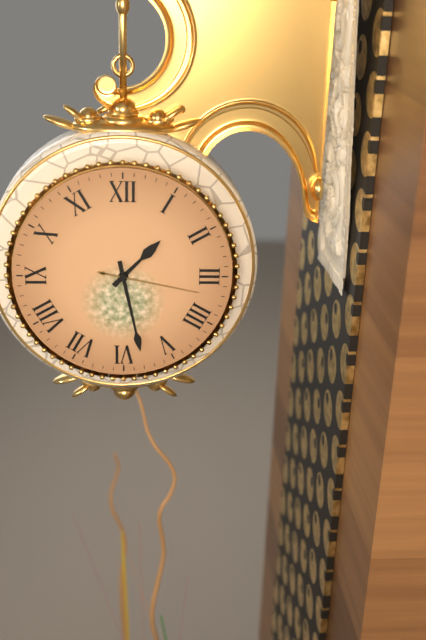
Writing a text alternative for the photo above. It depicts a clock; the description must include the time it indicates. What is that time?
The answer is 1:28:17
